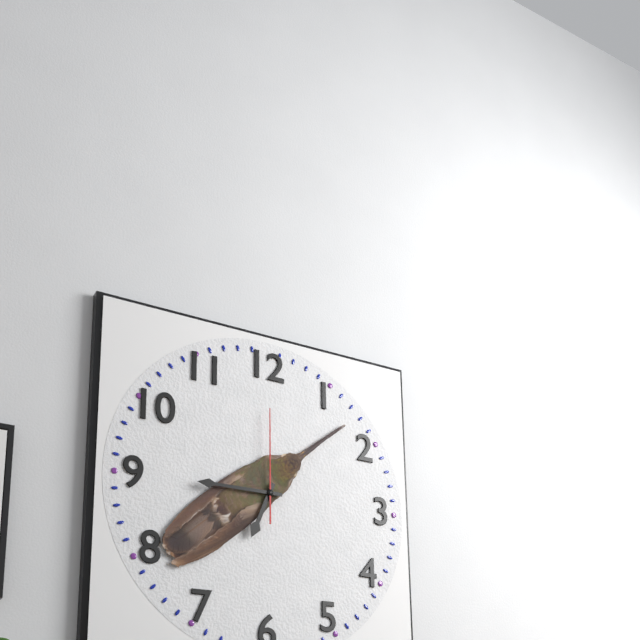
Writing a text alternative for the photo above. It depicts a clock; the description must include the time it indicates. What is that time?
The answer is 6:45:00
